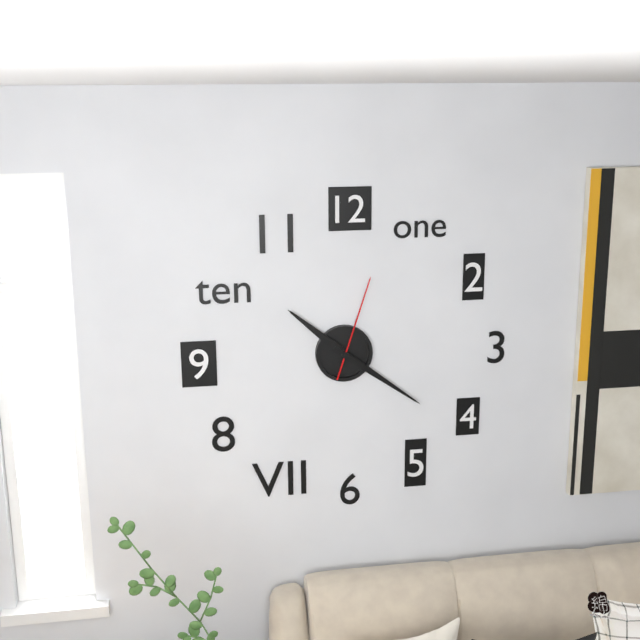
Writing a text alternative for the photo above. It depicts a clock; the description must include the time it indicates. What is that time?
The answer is 10:21:03
